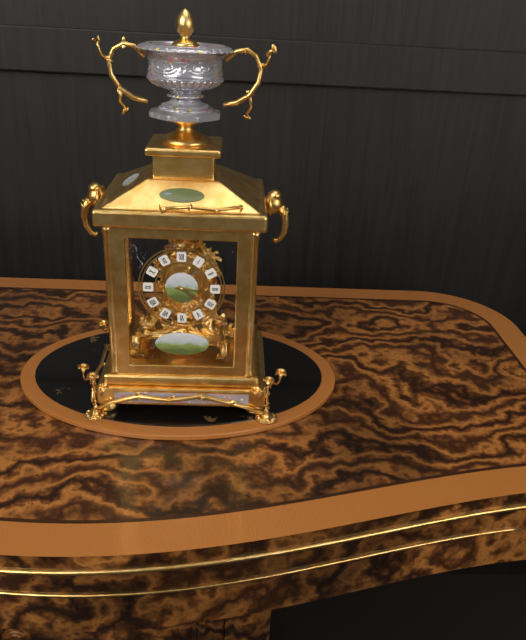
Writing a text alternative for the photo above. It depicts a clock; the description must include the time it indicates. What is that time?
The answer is 4:16
